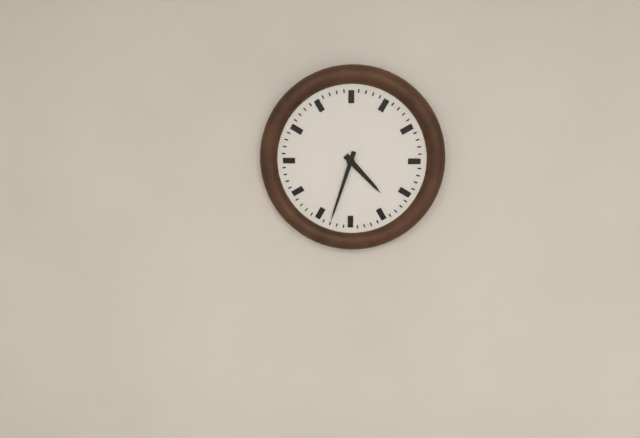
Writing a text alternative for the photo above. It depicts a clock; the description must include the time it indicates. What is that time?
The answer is 4:33
